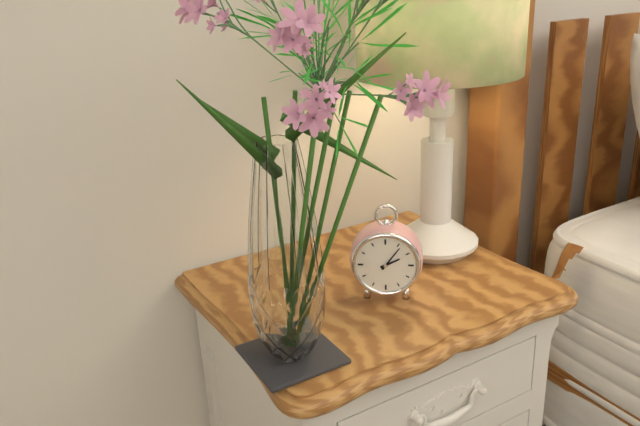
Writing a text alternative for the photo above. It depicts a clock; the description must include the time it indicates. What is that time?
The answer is 2:06
